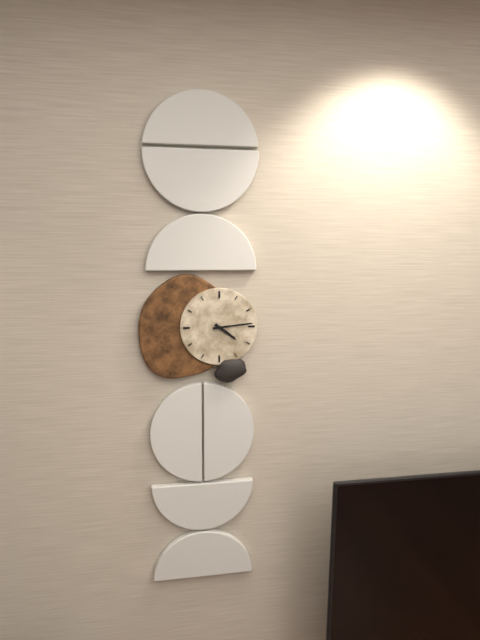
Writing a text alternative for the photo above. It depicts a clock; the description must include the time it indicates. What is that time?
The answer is 4:14
